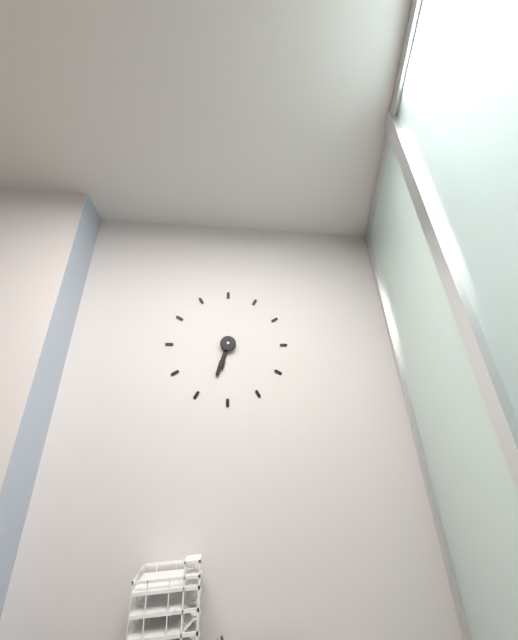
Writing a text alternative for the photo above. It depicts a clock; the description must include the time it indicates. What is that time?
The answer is 6:33
